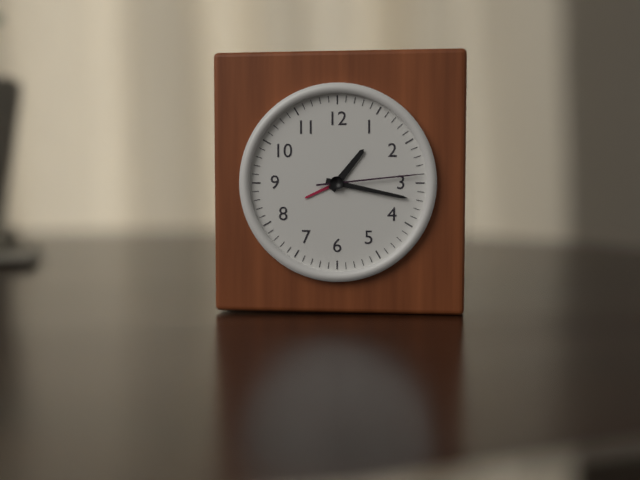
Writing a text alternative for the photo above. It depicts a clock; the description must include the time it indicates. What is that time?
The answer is 1:17:14
